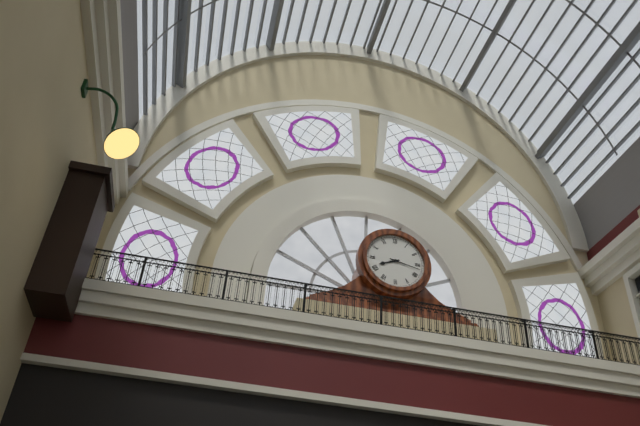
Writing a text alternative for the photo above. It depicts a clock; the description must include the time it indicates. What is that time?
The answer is 8:17
